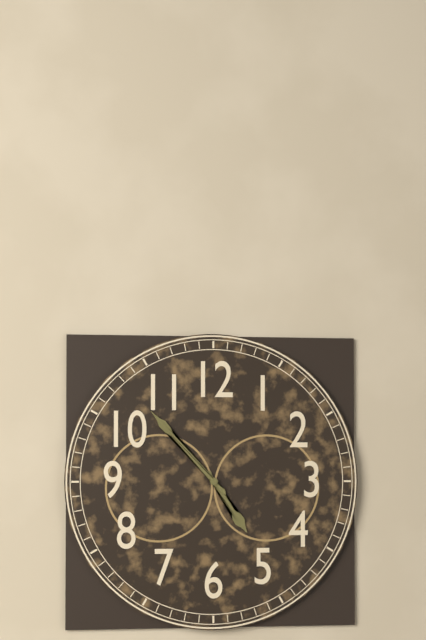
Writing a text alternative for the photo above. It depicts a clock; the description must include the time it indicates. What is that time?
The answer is 4:53
